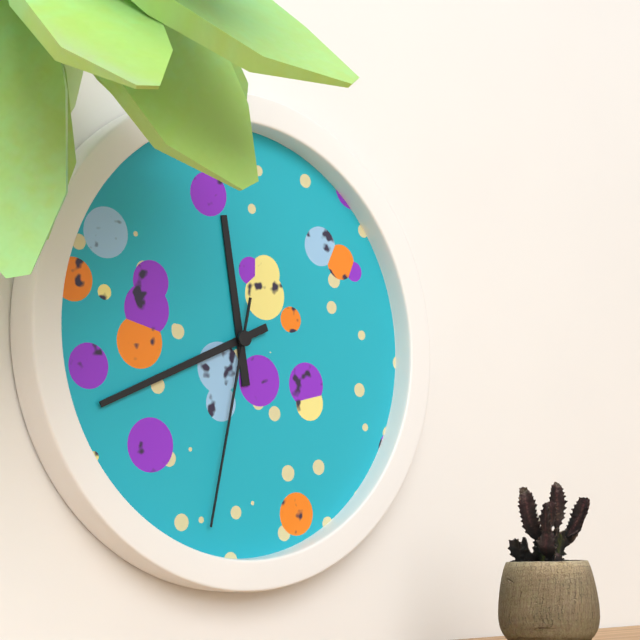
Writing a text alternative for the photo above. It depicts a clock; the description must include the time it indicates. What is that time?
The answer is 11:41:32
